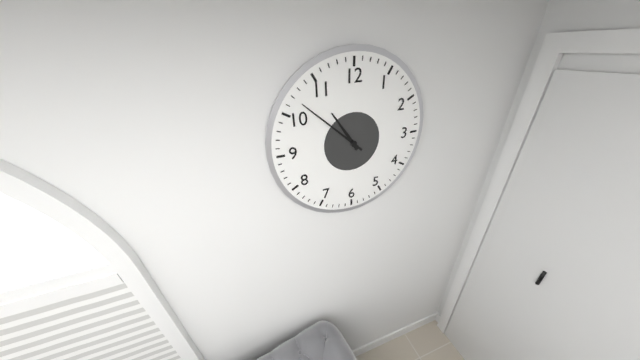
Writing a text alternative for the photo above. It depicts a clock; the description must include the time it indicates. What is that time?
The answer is 10:52
